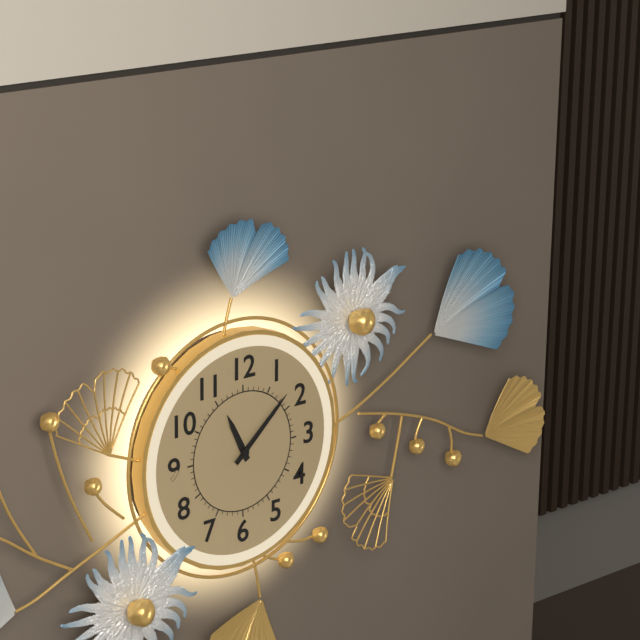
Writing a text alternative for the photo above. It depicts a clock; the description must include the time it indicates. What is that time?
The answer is 11:08
